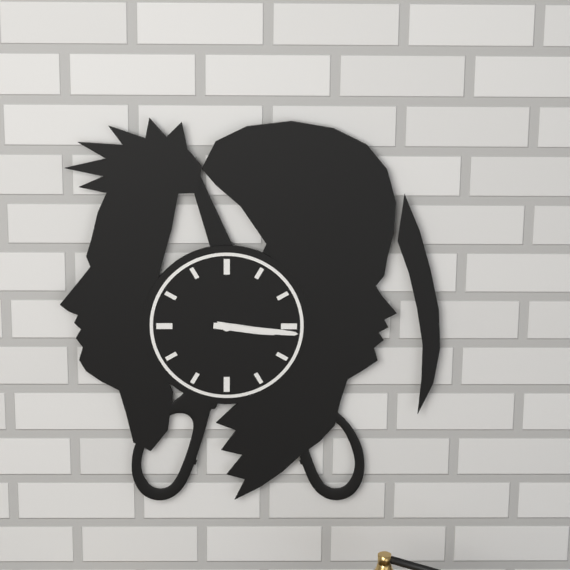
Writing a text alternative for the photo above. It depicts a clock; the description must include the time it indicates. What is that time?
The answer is 3:16
